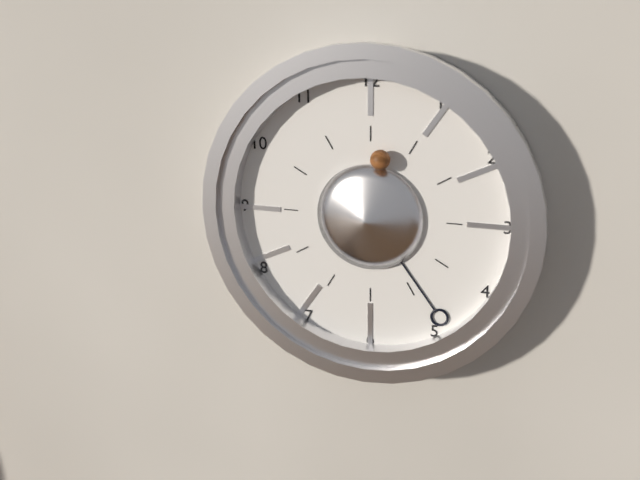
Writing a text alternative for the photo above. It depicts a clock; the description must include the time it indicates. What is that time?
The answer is 12:24
